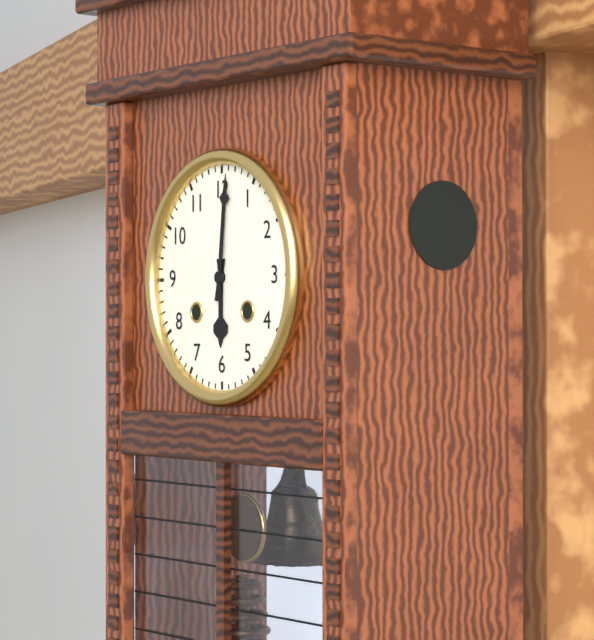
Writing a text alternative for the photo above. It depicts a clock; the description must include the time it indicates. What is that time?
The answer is 6:01
